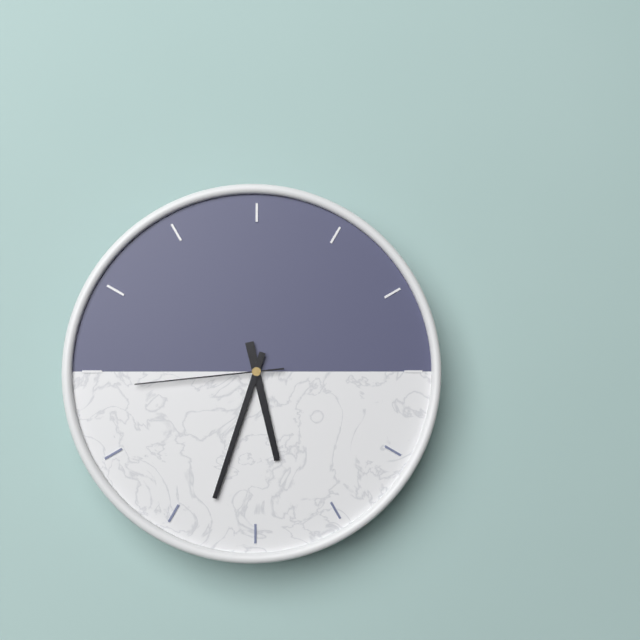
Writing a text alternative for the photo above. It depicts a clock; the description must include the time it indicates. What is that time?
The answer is 5:33:44
